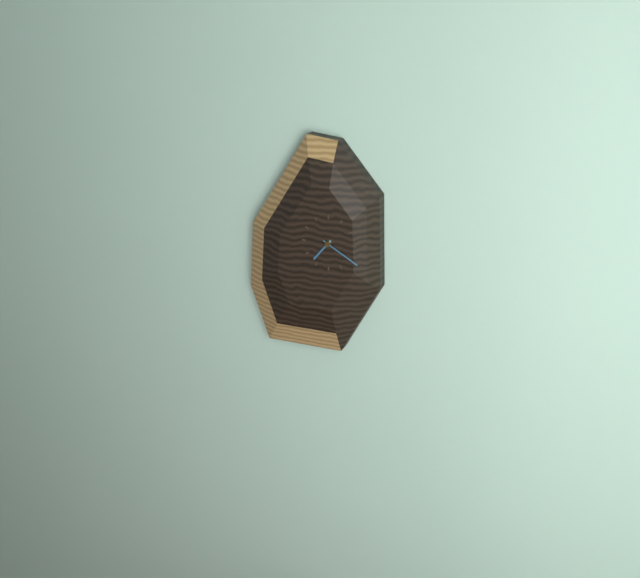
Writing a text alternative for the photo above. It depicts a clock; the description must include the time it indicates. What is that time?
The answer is 7:20
